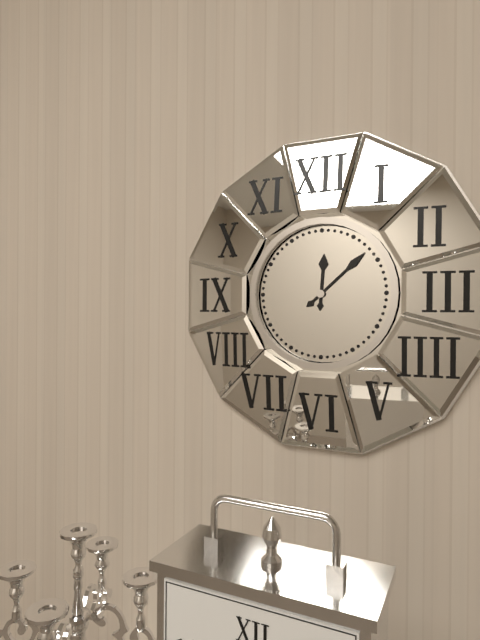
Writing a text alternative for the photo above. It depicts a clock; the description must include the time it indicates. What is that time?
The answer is 12:08
